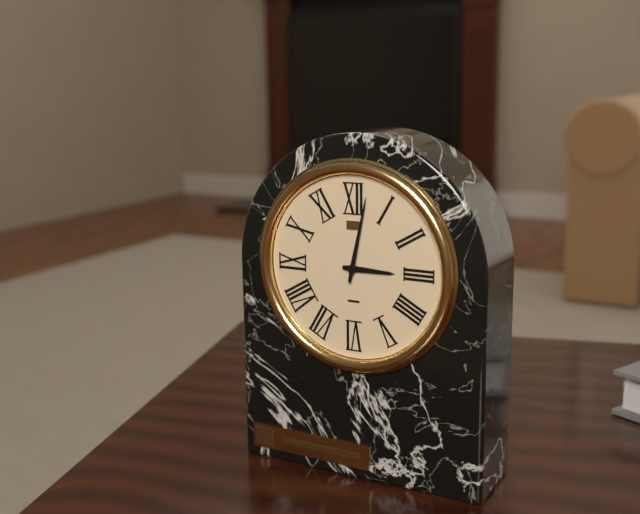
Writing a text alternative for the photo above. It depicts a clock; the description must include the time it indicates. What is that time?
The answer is 3:02
